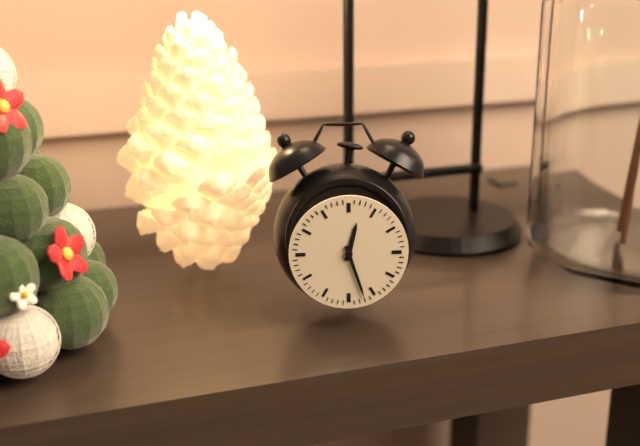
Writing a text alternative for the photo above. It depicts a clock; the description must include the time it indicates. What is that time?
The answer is 12:27
